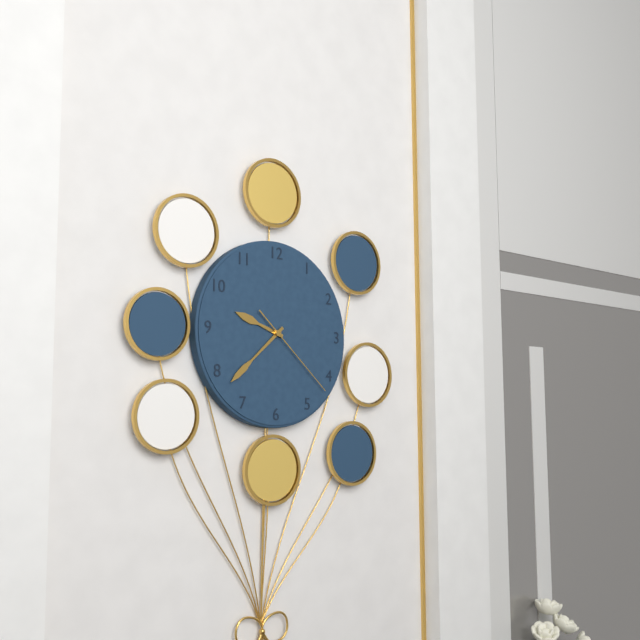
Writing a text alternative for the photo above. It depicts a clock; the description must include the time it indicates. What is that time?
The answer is 9:38:22
